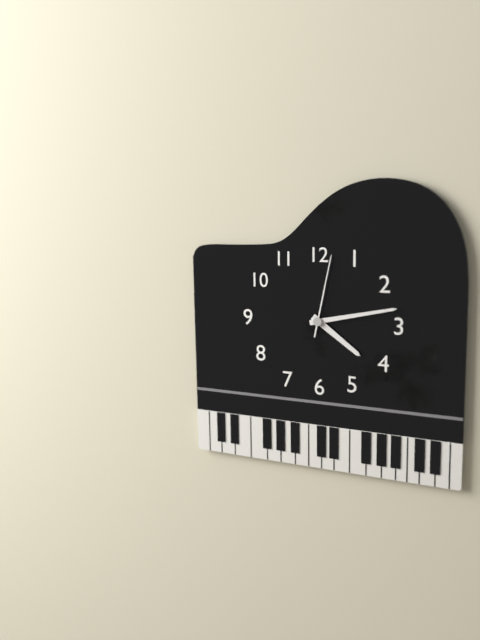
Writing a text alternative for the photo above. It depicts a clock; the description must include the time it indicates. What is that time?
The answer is 4:13:02
